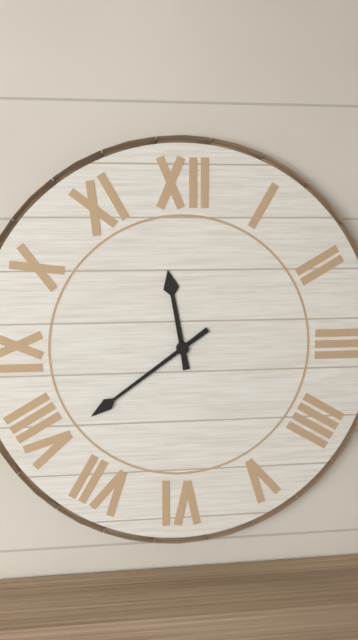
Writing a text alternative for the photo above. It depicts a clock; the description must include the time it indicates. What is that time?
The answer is 11:39
